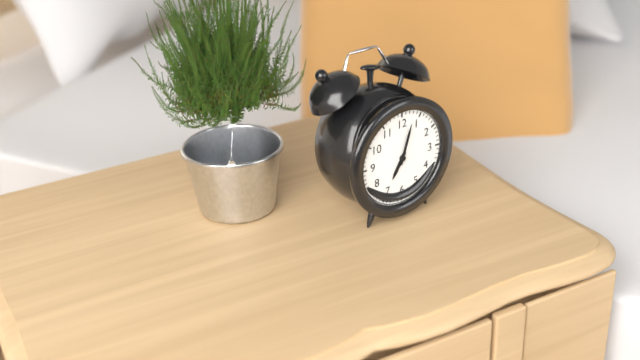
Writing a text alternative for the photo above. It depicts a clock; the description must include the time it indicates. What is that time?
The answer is 7:03
